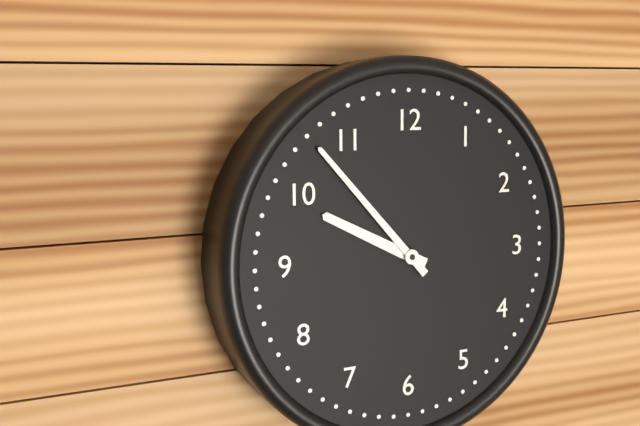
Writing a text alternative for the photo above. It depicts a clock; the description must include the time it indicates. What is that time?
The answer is 9:53
